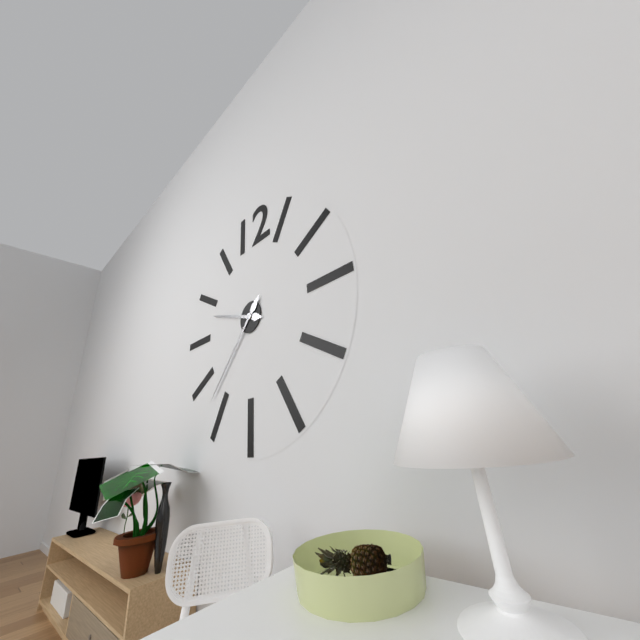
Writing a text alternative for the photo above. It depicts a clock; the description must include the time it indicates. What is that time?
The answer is 9:37
